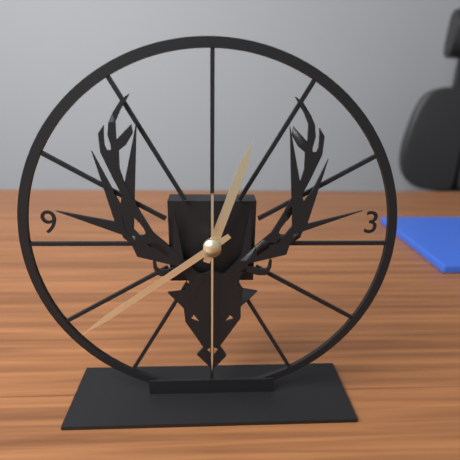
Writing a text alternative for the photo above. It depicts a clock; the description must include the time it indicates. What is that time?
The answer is 12:39:30
